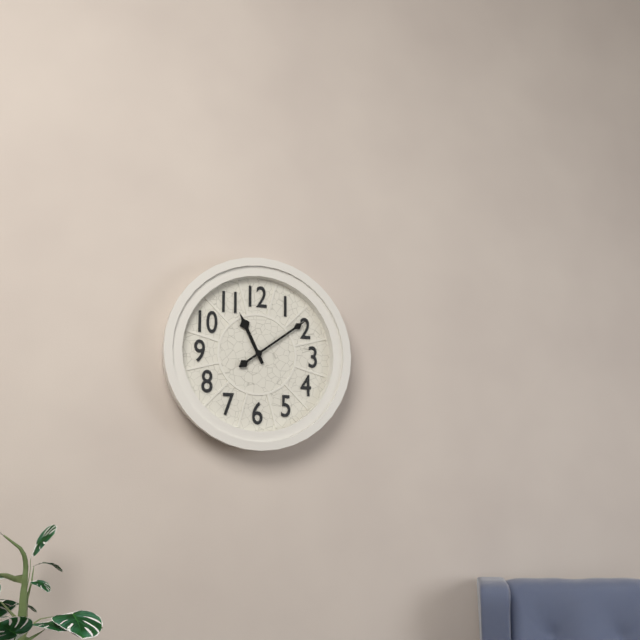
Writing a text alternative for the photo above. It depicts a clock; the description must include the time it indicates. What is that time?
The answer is 11:09
